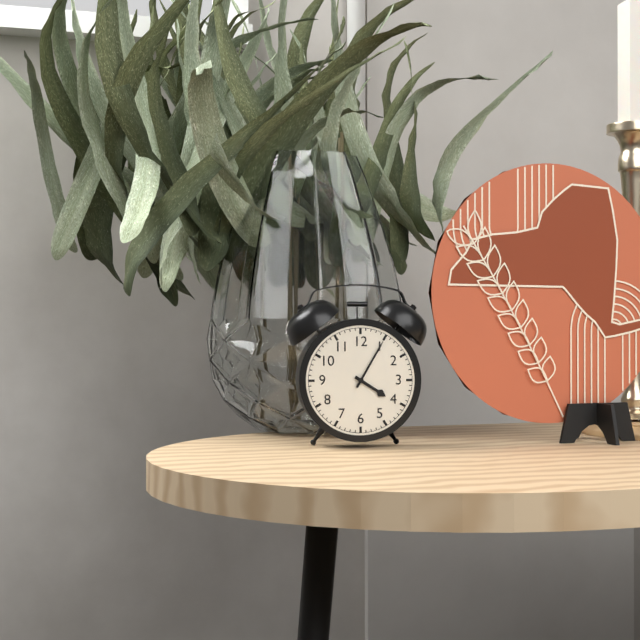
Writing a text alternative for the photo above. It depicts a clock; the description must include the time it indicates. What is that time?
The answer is 4:05
